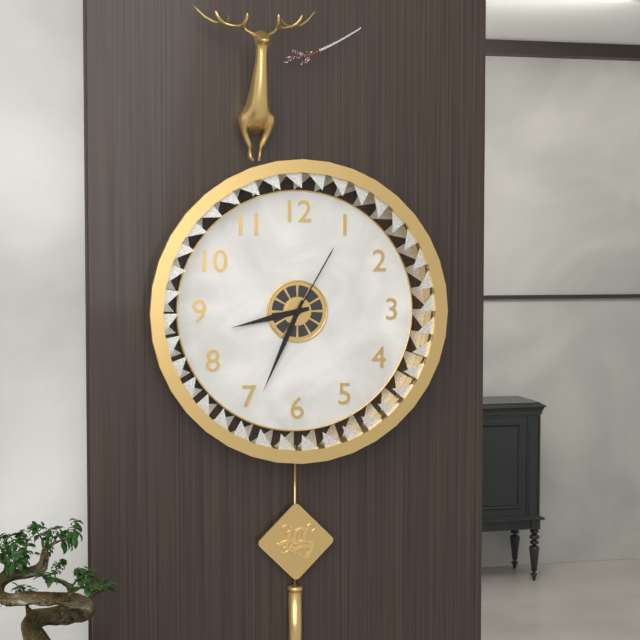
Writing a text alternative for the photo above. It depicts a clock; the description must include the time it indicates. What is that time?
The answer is 8:34:05
